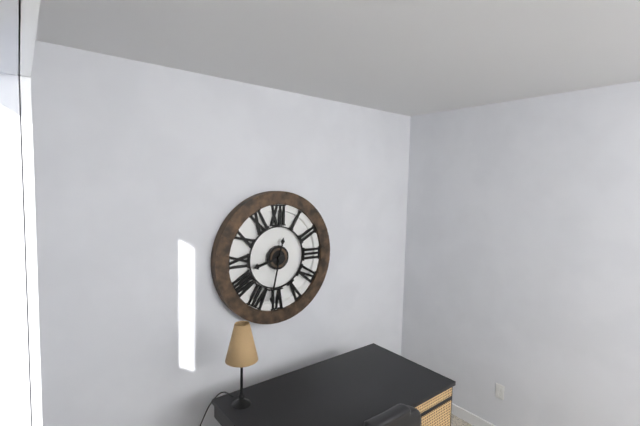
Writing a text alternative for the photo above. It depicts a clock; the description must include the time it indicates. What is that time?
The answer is 8:32
